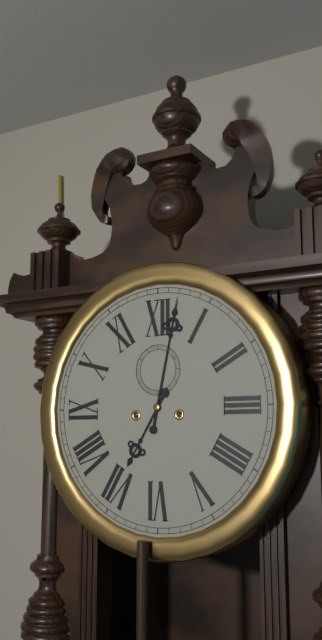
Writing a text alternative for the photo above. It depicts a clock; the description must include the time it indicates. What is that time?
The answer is 7:02
